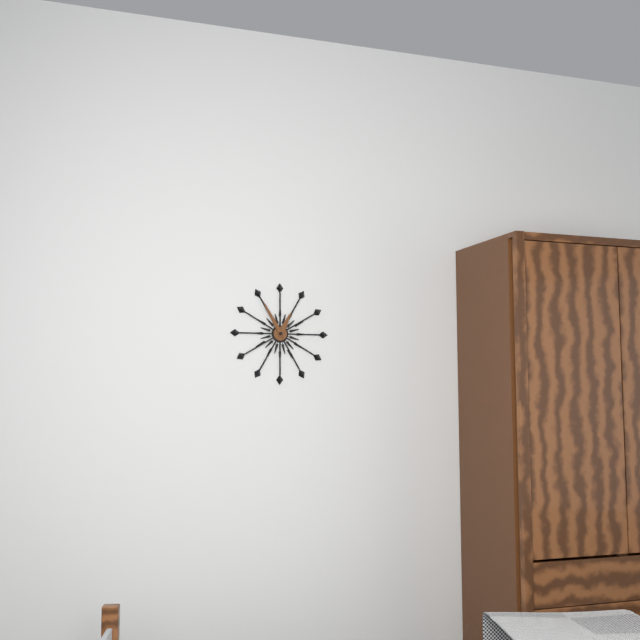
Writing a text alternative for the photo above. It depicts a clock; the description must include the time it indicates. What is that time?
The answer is 12:55
